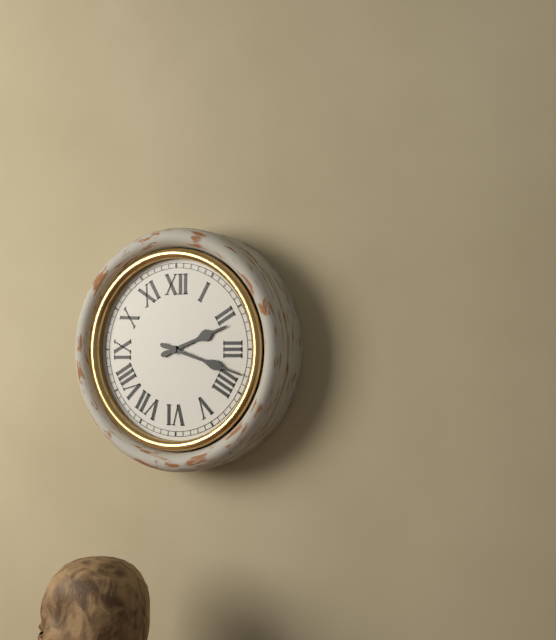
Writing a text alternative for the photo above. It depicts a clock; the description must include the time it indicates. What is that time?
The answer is 2:18
